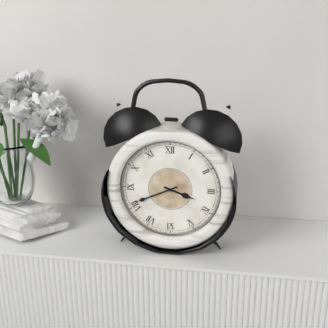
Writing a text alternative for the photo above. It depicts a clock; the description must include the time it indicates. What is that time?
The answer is 3:41
